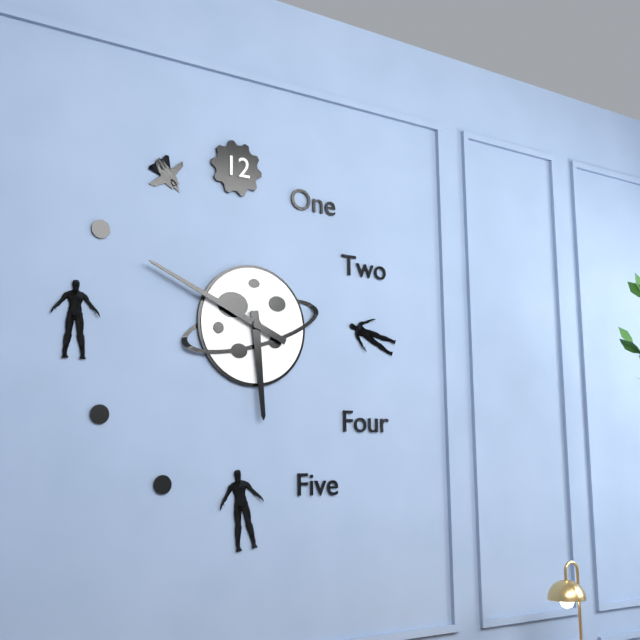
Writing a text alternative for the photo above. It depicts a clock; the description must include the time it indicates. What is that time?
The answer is 5:49
